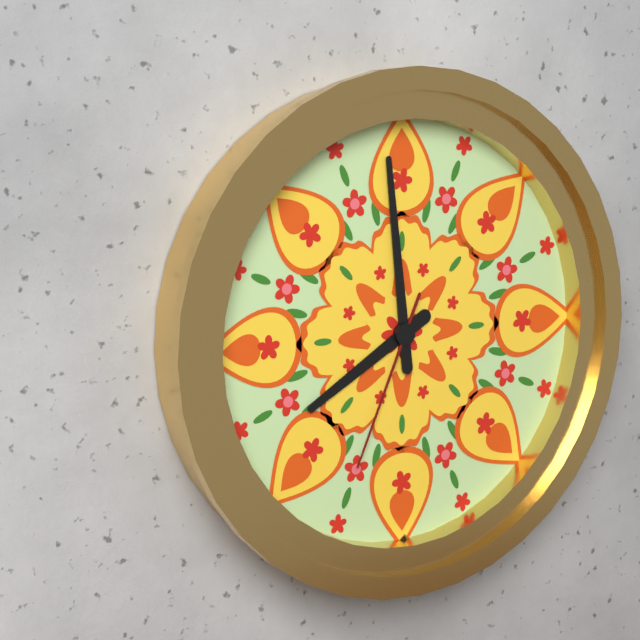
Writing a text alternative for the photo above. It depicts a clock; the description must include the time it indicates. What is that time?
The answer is 7:59:34
